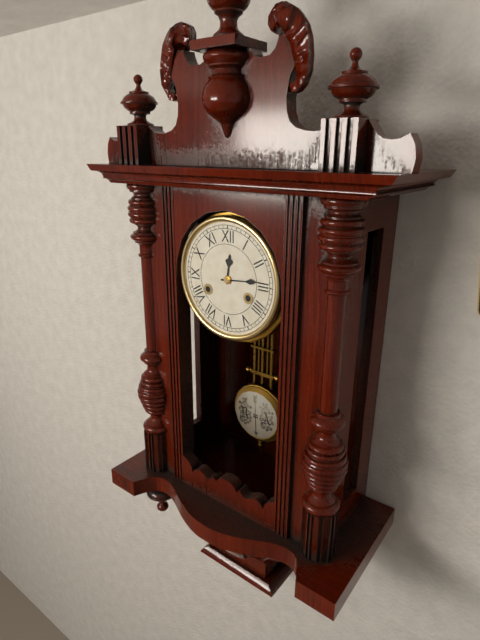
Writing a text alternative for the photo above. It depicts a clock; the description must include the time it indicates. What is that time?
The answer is 12:14
